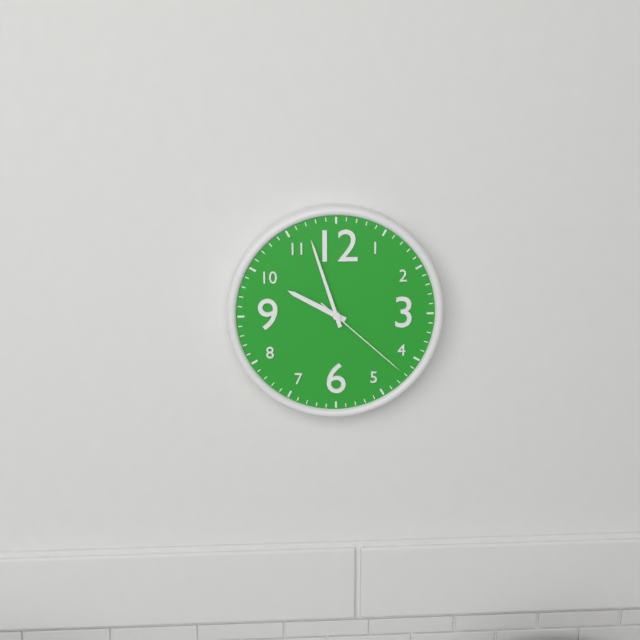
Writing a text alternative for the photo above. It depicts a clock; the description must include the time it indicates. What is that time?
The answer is 9:57:22
